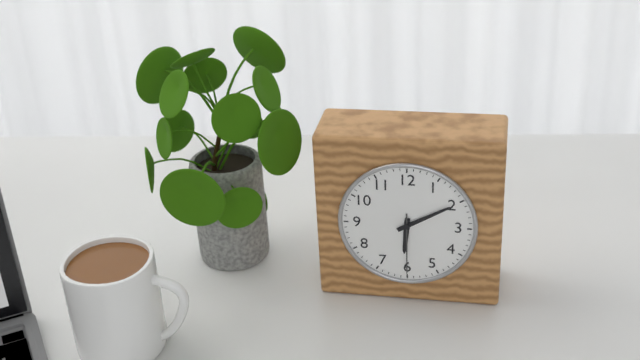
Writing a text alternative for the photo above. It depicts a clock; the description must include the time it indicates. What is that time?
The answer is 6:10:30
